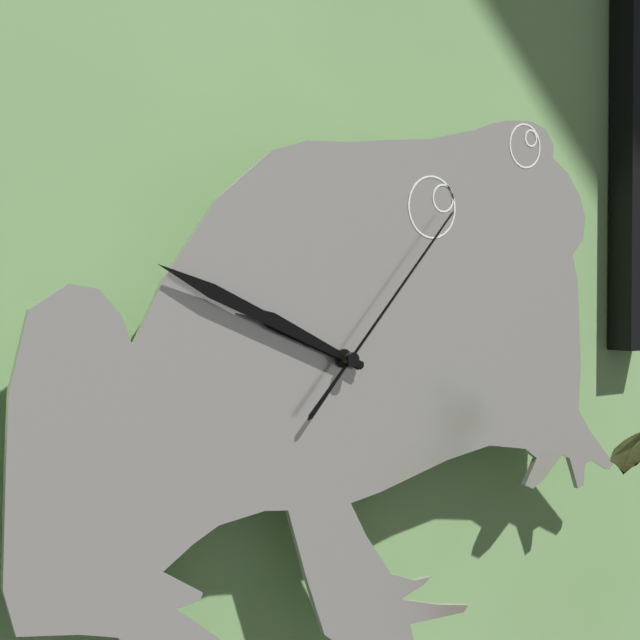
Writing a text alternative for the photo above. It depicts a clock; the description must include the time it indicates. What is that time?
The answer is 9:49:07
